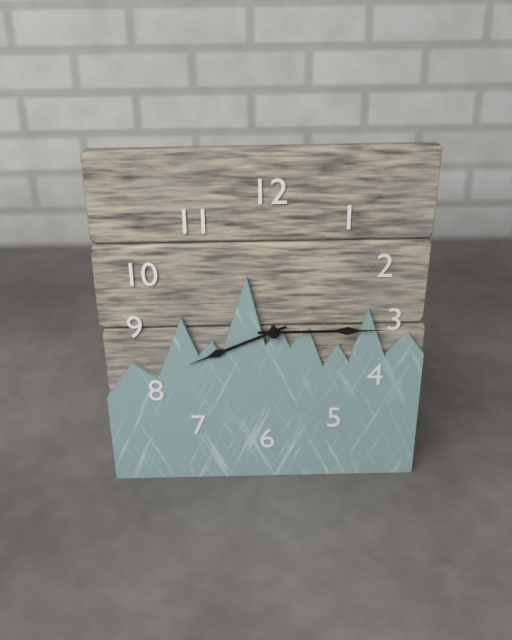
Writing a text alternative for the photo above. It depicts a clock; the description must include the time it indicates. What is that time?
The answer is 8:15
